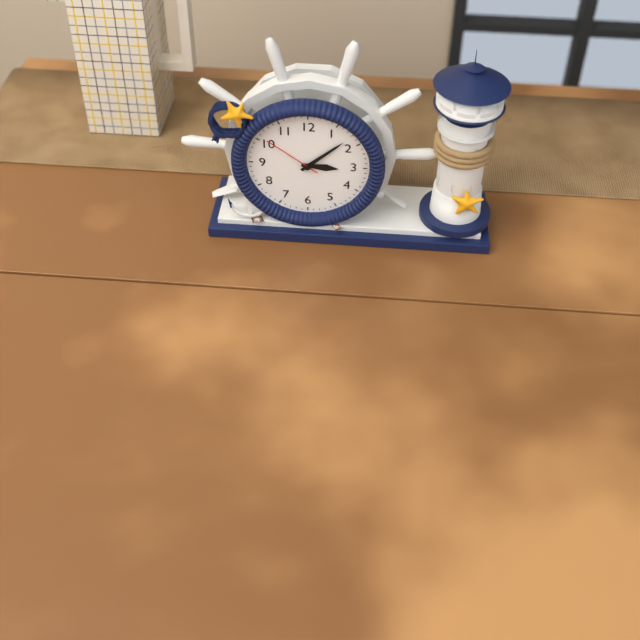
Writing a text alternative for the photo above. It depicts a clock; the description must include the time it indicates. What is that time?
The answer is 3:08:51
